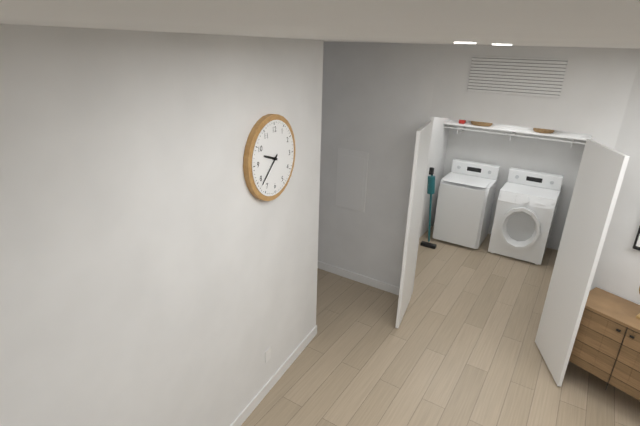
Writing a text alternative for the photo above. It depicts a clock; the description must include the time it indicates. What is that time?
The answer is 9:38
